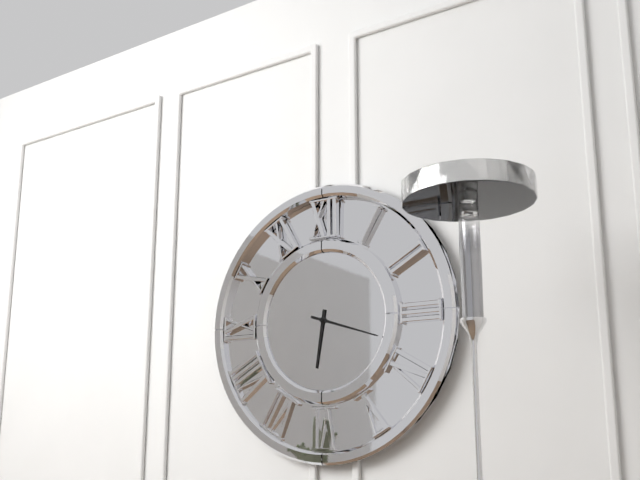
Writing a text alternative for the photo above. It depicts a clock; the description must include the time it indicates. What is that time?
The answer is 6:18
